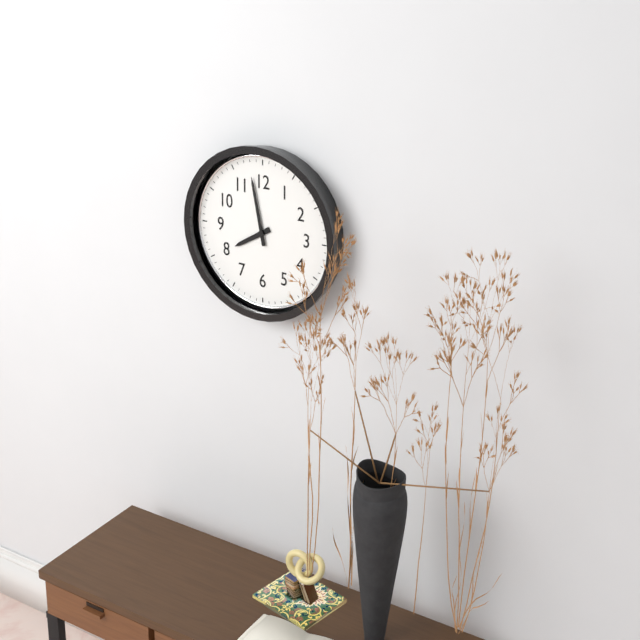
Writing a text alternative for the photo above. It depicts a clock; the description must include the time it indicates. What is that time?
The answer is 7:58
